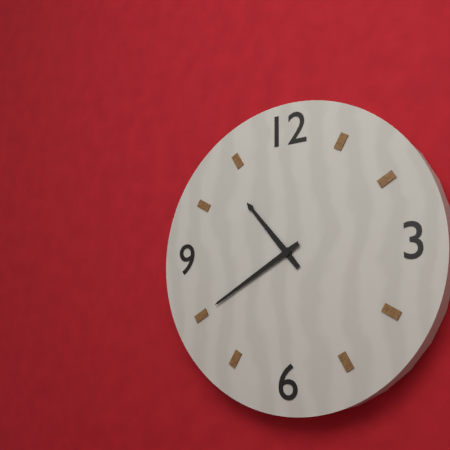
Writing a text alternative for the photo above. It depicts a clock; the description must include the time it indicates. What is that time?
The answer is 10:40
